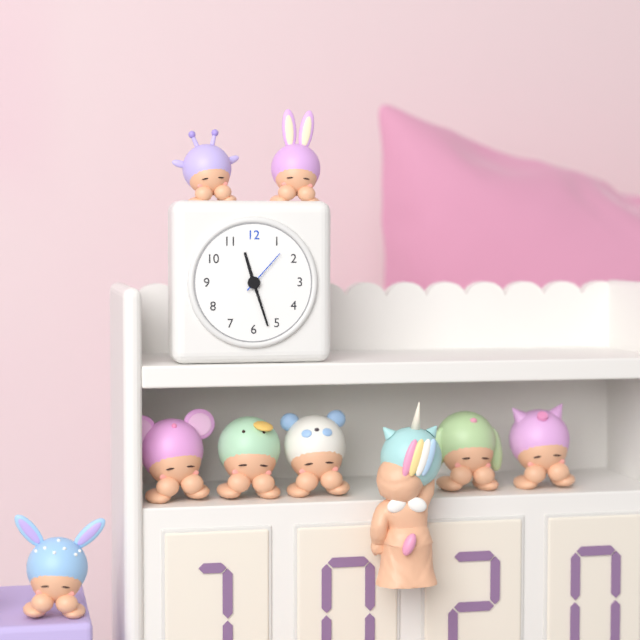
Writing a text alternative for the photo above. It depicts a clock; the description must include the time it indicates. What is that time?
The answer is 11:27:07
